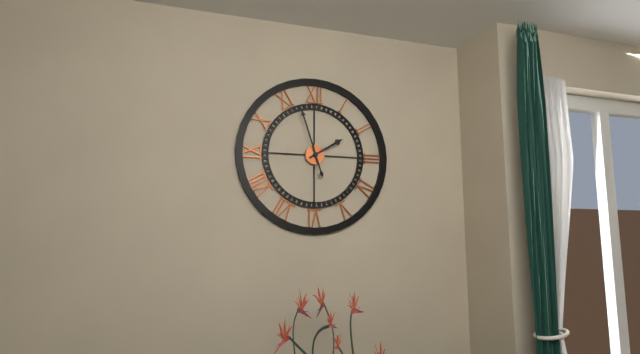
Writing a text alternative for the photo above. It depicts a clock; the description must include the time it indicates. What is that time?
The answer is 1:57
